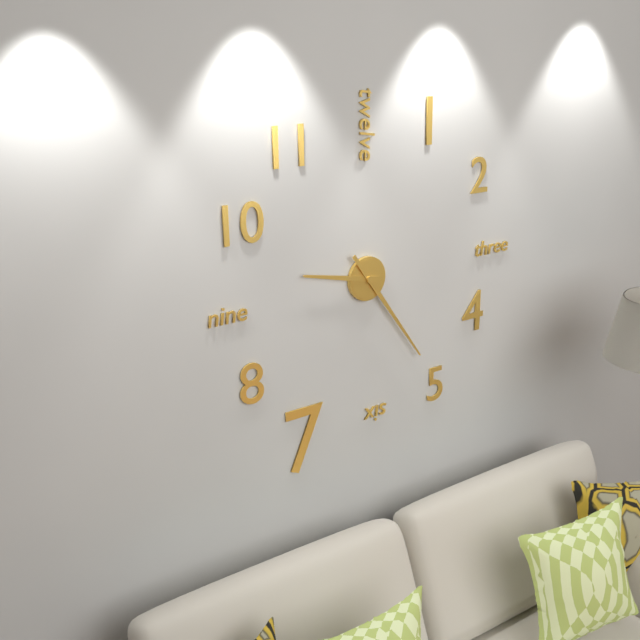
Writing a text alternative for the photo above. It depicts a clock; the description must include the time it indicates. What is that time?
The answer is 9:24
